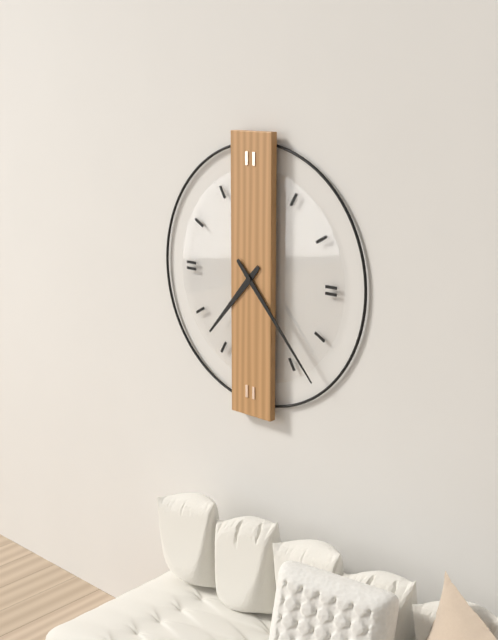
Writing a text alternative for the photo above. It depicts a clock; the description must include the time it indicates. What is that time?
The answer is 7:23
